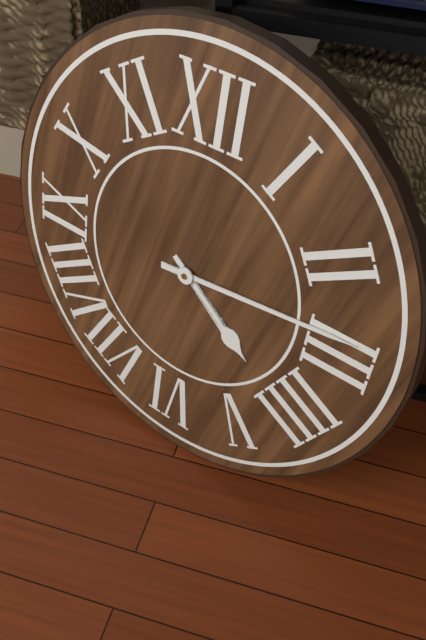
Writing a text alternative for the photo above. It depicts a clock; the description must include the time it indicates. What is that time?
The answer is 4:14
